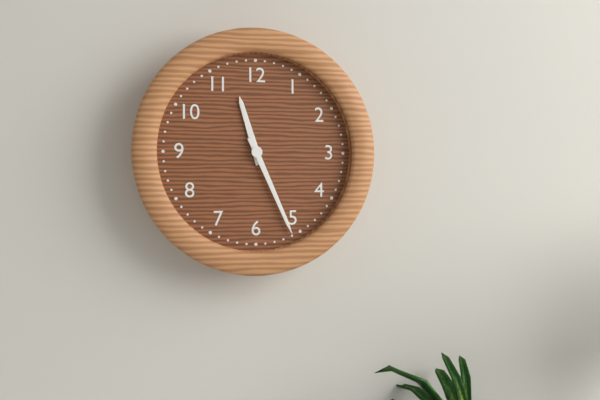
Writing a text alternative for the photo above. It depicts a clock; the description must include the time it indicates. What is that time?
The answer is 11:26
